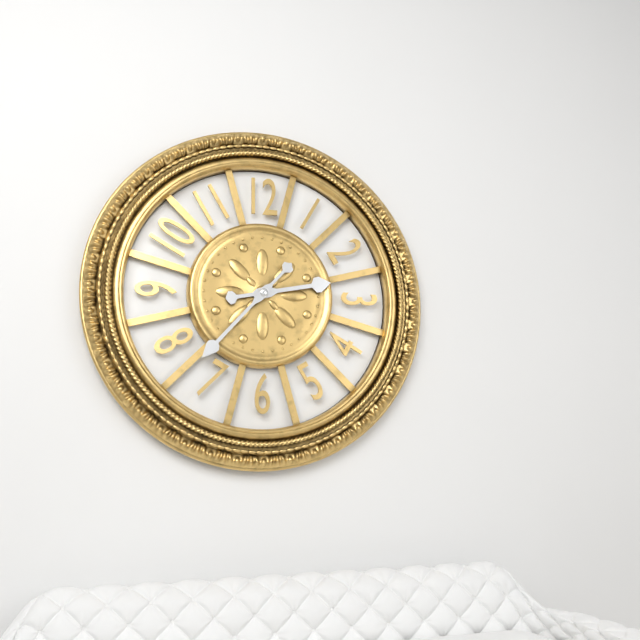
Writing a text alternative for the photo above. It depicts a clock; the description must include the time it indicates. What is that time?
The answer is 2:37
